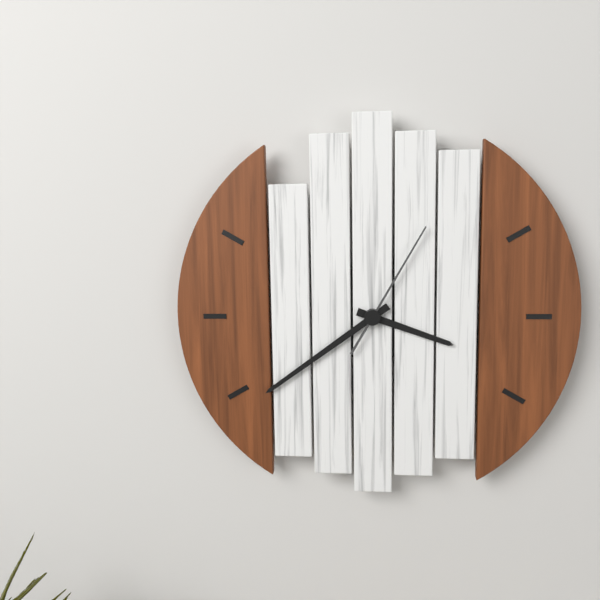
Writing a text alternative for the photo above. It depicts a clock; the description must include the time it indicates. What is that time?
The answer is 3:39:05
